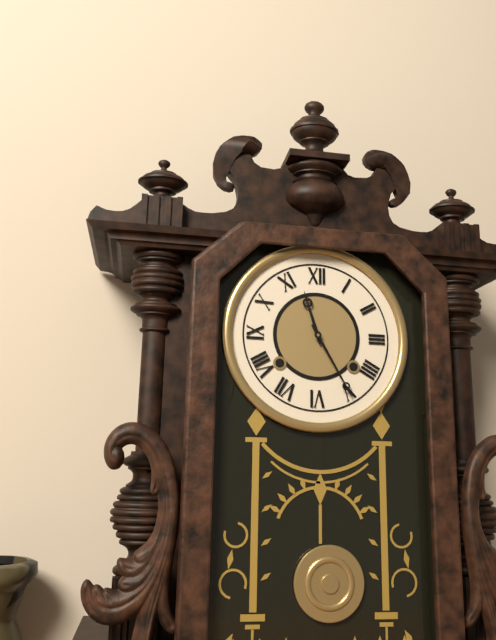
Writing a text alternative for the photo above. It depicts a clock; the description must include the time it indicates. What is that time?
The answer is 11:25
